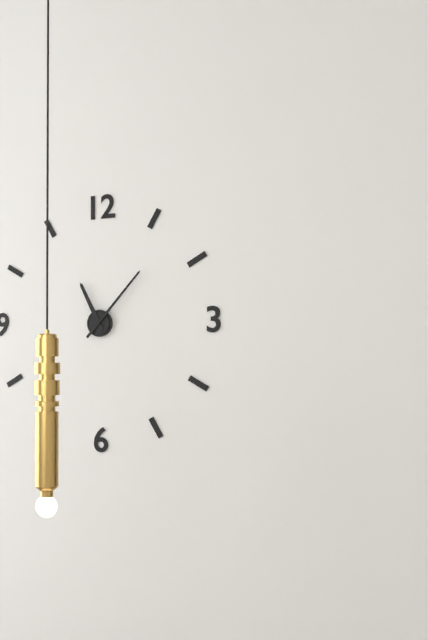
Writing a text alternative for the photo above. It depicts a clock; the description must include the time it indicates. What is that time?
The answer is 11:07
